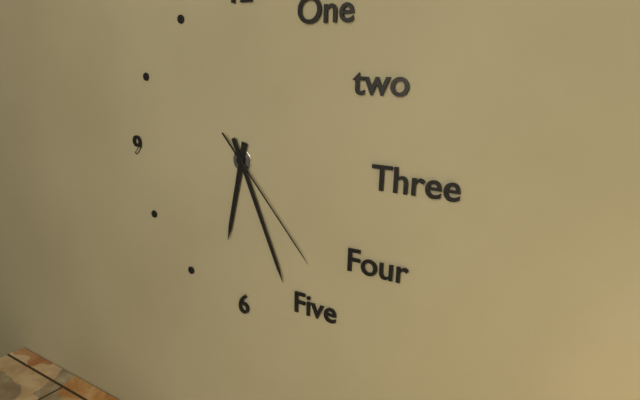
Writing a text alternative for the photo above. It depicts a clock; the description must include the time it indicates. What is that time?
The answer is 6:26:23
